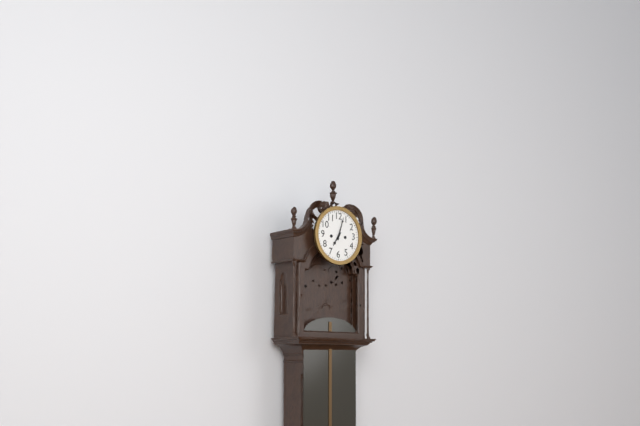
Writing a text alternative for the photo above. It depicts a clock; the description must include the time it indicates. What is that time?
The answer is 7:03
